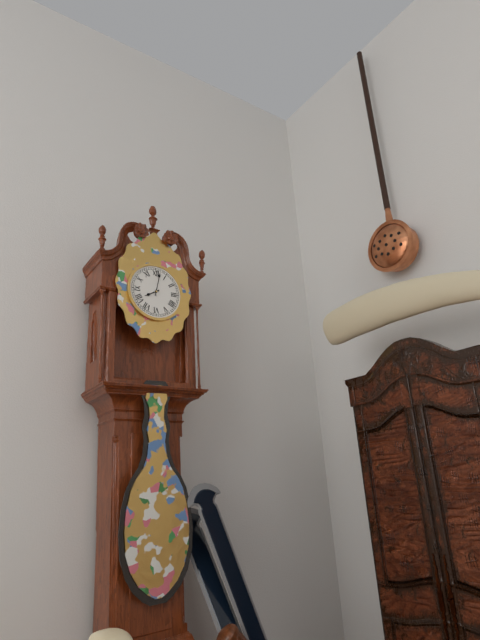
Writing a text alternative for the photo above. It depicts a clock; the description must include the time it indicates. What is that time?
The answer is 8:02
